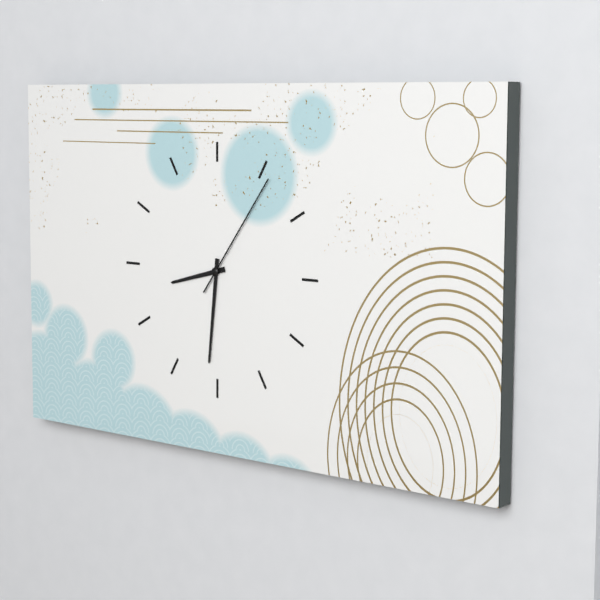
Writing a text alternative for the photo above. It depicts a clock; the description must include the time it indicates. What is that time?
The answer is 8:31:06
